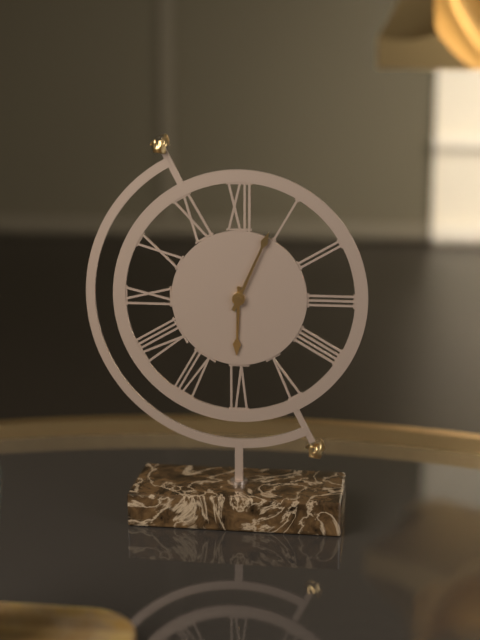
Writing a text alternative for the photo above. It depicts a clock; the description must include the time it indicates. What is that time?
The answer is 6:04
